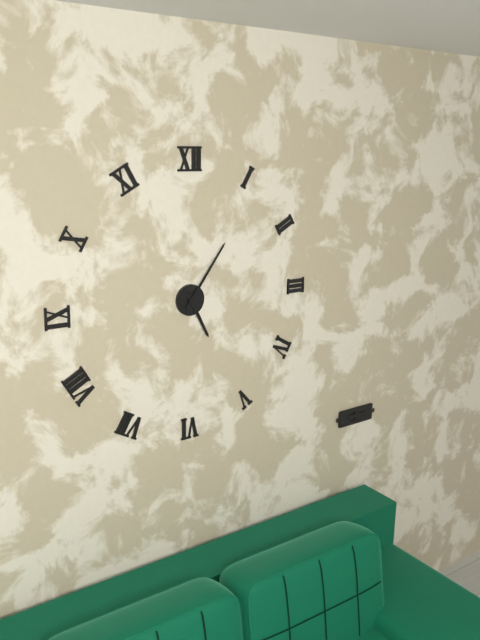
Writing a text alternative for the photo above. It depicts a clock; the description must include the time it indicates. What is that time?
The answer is 5:06
